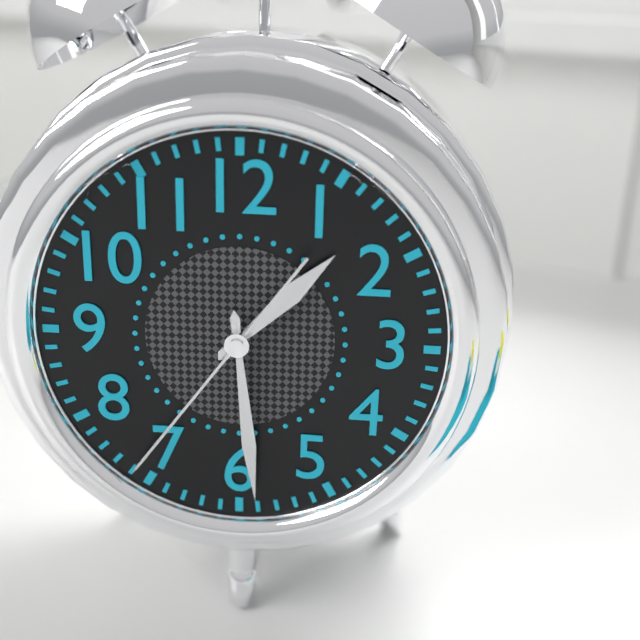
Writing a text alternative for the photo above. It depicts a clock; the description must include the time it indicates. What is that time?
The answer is 1:29:36
